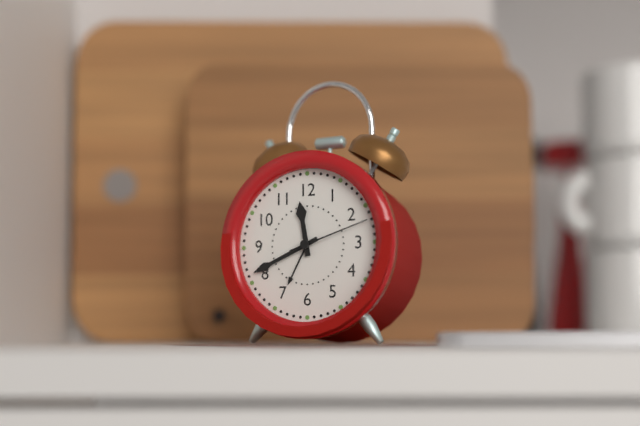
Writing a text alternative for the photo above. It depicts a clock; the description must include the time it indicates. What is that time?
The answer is 11:41:12
